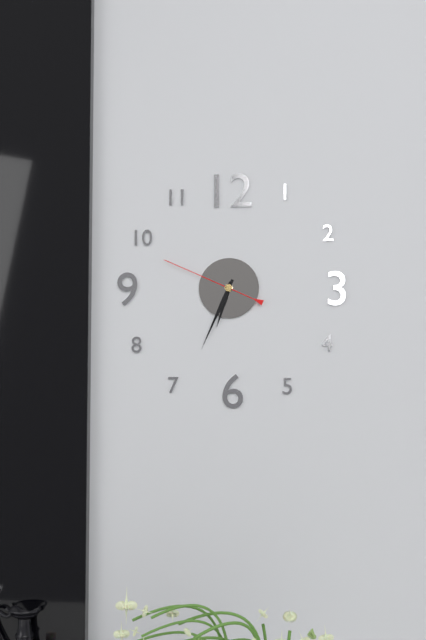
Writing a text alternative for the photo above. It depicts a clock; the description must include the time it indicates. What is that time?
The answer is 6:34:49
